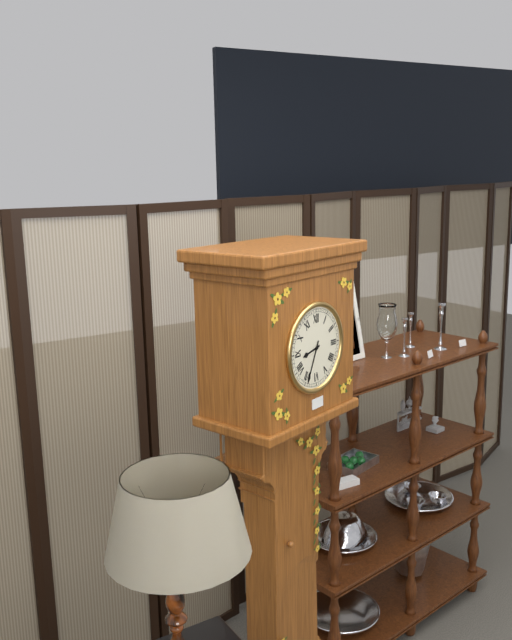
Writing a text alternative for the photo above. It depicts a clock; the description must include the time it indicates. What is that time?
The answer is 8:34
